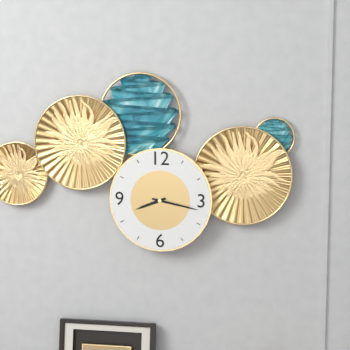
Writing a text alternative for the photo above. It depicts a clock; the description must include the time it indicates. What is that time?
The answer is 8:17
